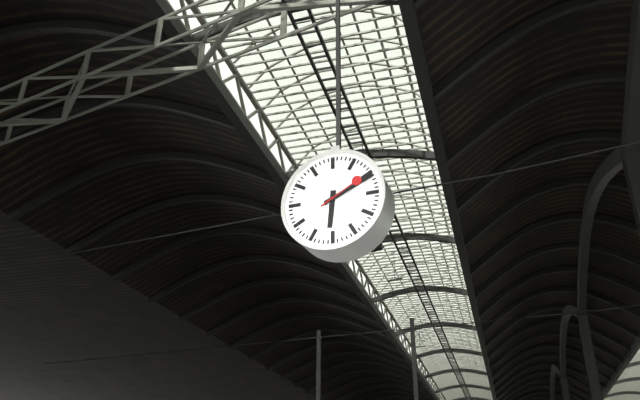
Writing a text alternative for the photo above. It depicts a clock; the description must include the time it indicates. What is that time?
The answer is 6:11
